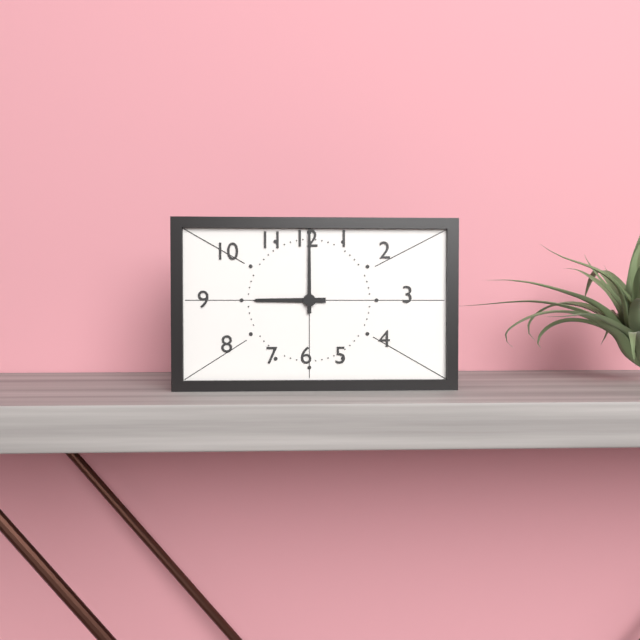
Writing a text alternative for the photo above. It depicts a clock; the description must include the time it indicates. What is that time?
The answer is 9:00
